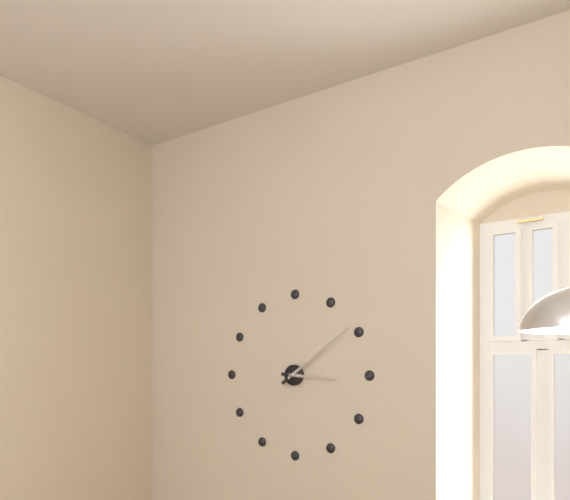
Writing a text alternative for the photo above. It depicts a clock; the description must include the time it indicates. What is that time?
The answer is 3:09
